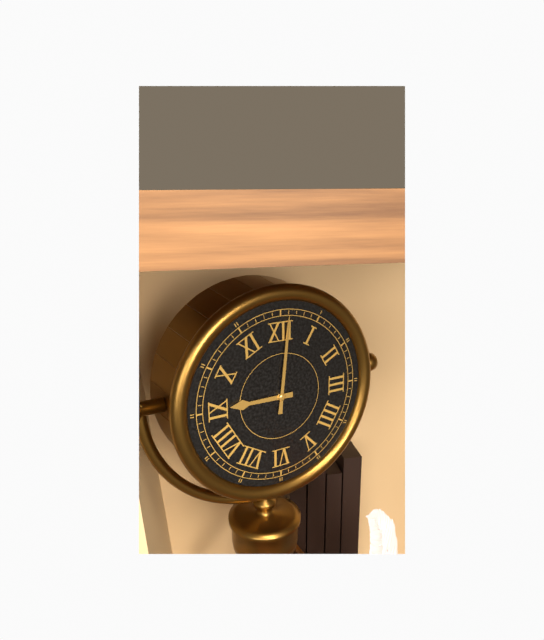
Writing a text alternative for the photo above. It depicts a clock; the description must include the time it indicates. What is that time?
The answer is 9:01
